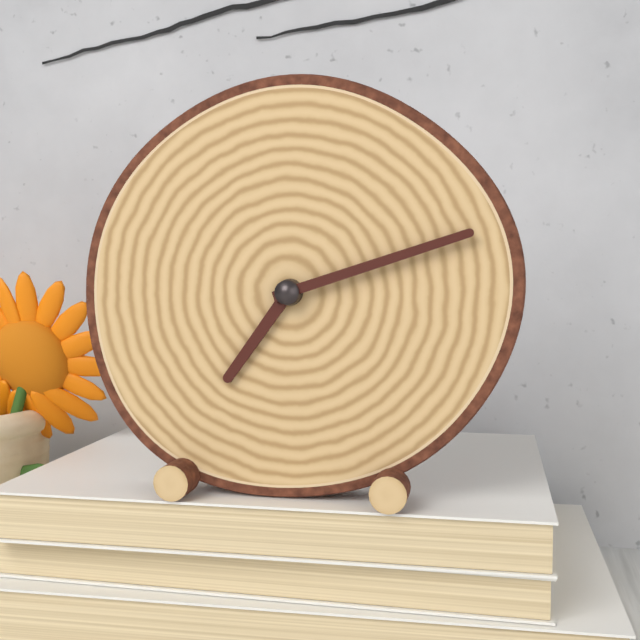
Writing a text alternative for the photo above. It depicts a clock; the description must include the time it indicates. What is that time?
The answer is 7:12
